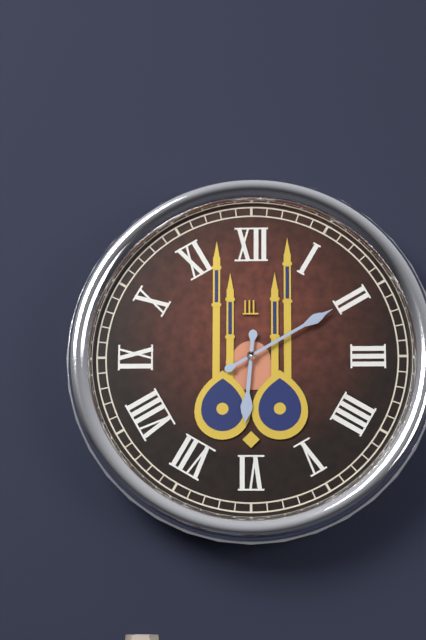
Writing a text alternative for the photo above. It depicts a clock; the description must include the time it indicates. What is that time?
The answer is 6:10
